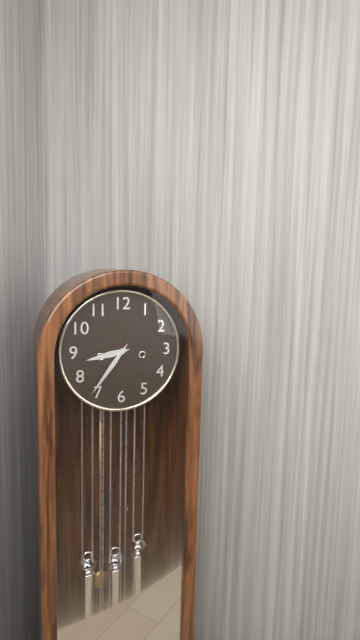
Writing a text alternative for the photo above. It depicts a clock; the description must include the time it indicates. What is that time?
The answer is 8:36
